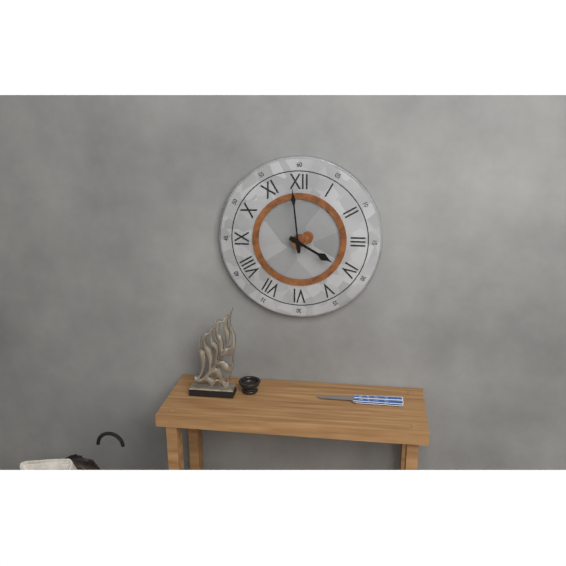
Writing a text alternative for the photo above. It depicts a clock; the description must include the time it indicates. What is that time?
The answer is 3:59
